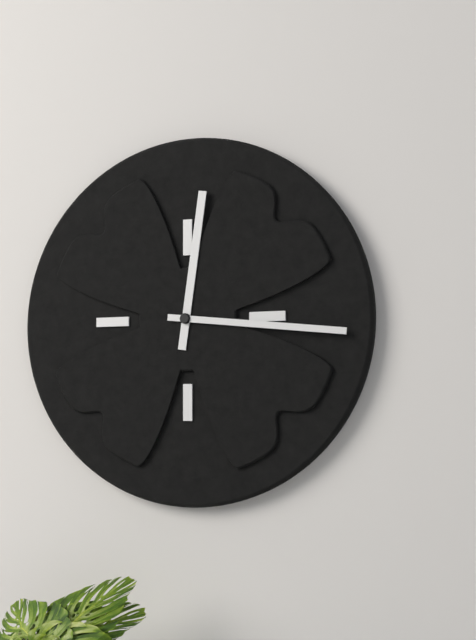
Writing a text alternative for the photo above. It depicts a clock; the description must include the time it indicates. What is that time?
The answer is 12:16
